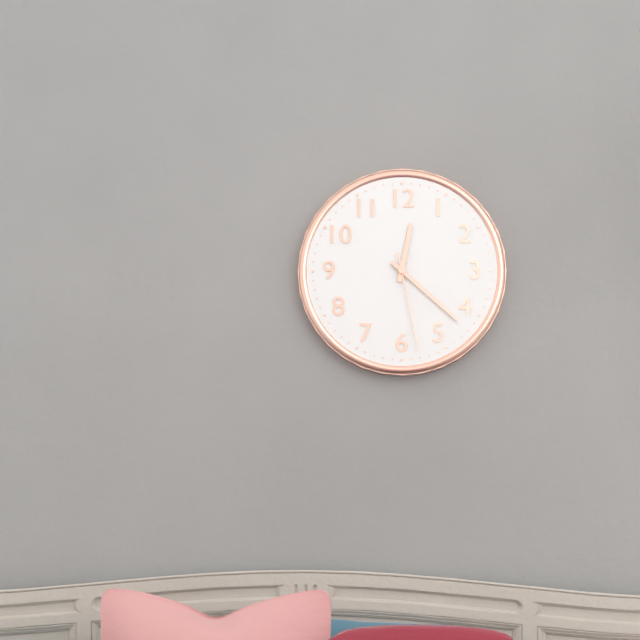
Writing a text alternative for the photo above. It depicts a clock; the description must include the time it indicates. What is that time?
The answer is 12:22:28
